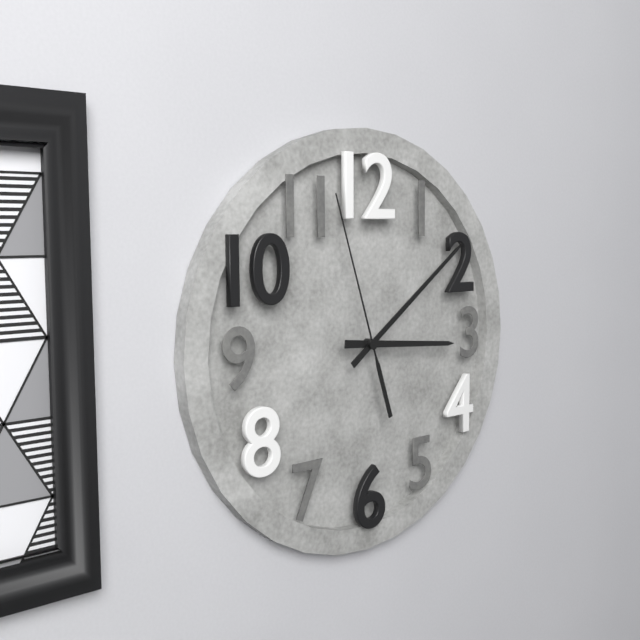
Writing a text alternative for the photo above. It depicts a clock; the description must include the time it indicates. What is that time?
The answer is 3:09:57
